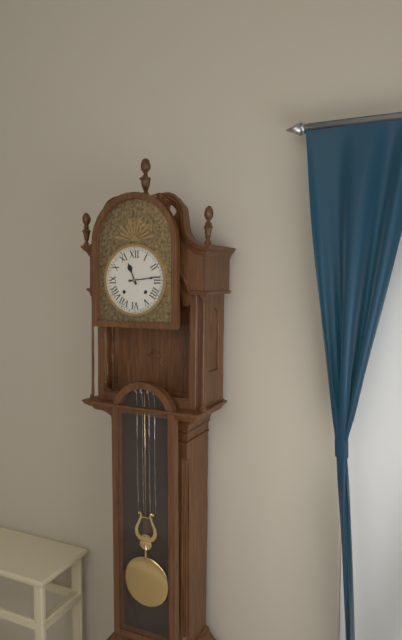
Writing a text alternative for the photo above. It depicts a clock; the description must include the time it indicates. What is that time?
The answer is 11:14
